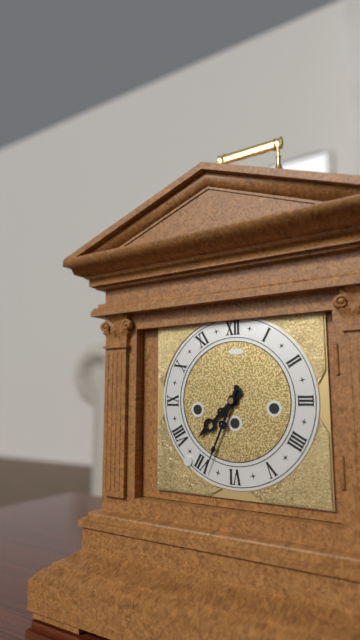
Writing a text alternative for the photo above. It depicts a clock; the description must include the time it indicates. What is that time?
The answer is 7:34
